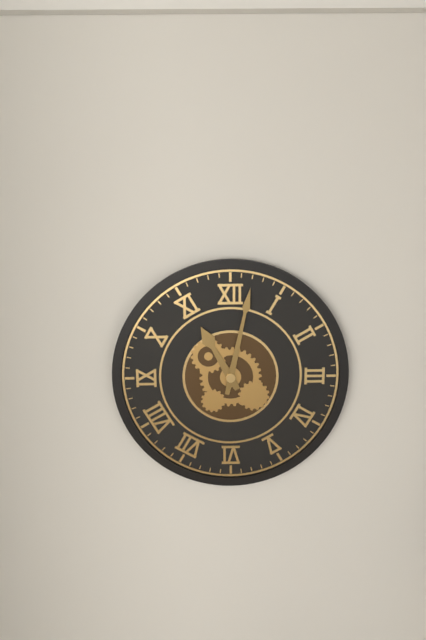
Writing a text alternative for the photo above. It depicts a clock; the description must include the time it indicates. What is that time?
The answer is 11:02
